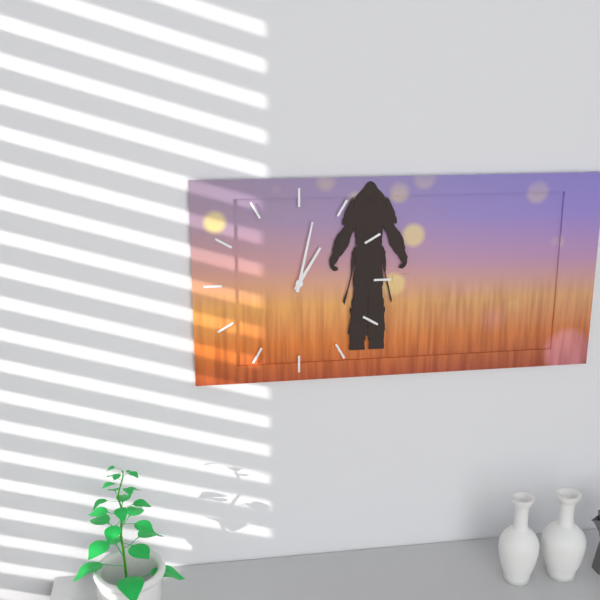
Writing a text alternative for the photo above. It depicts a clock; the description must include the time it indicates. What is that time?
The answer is 1:02
